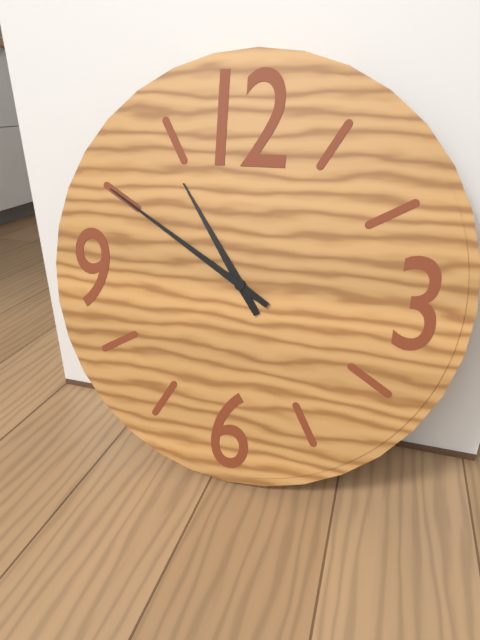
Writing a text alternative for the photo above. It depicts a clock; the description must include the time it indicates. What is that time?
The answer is 10:50
